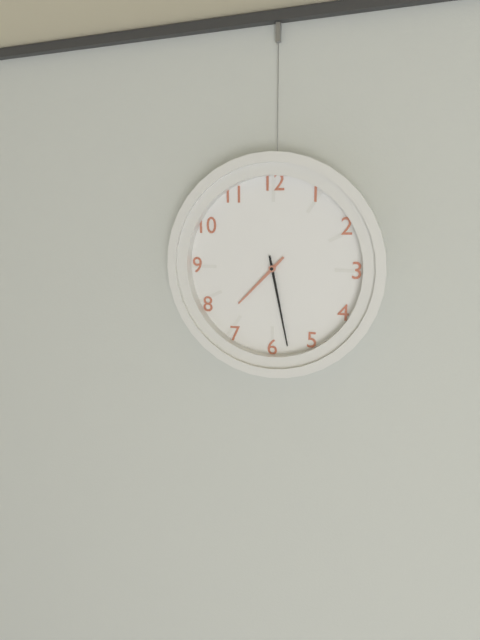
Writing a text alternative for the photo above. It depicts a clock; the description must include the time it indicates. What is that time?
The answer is 7:28
